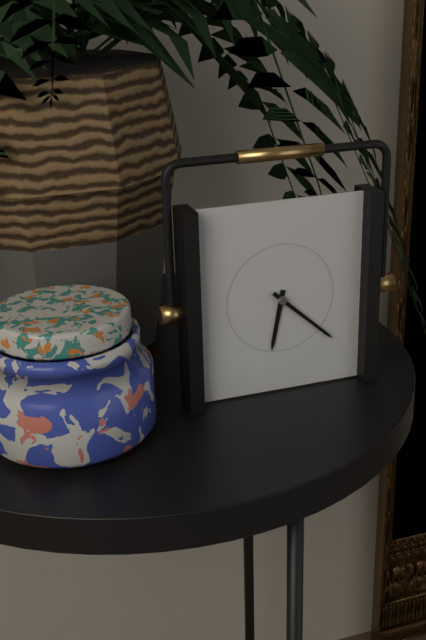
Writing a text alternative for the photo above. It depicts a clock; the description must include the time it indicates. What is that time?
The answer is 6:22
